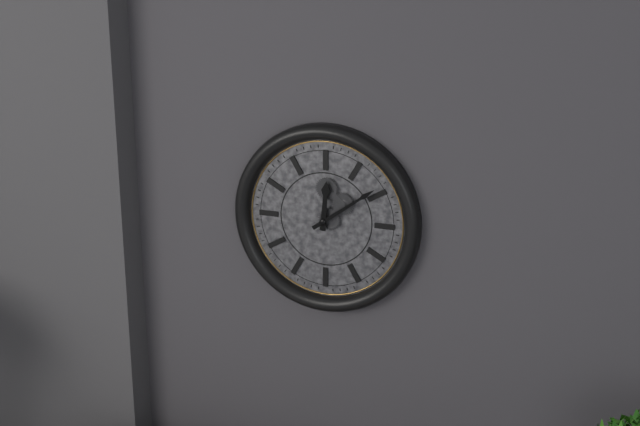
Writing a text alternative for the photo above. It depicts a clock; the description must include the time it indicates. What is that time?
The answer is 12:09
